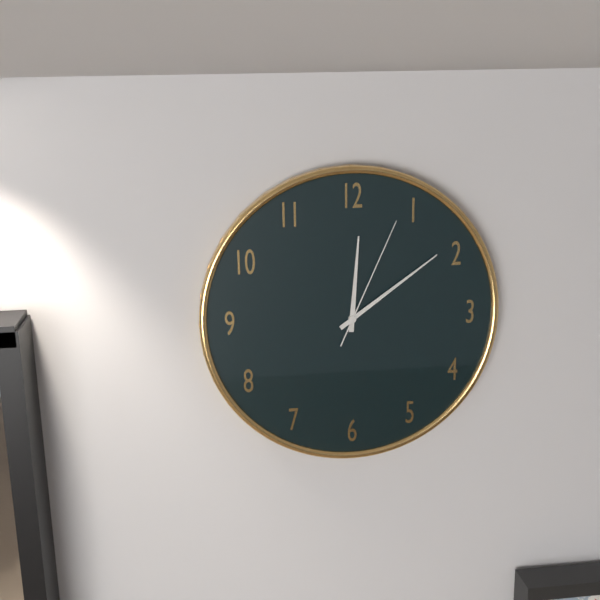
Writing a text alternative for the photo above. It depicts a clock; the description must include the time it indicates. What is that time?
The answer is 12:09:04
